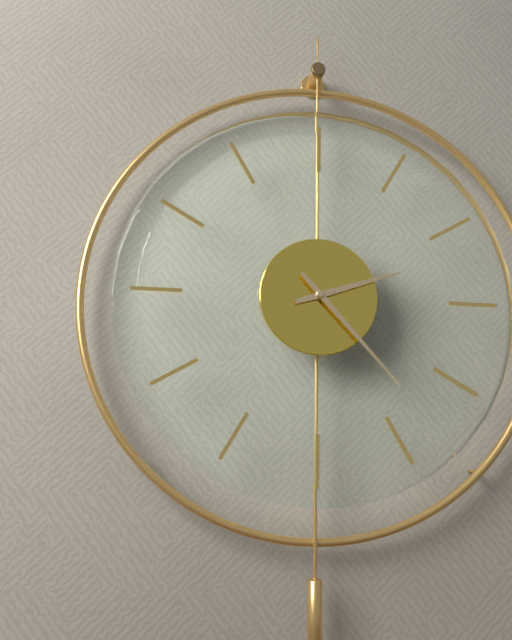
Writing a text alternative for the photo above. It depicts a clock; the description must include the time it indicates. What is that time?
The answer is 2:23
